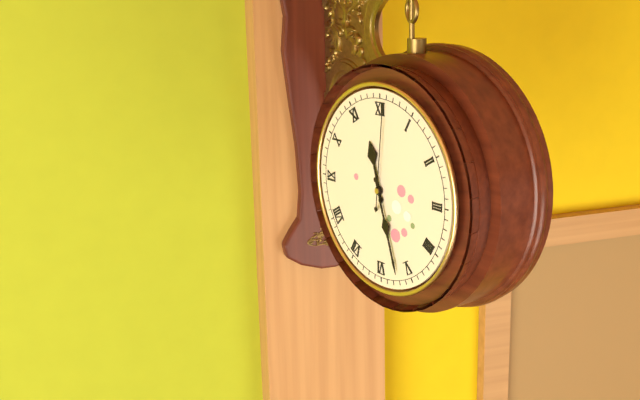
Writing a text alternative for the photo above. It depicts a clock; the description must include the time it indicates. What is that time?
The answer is 11:27:01
